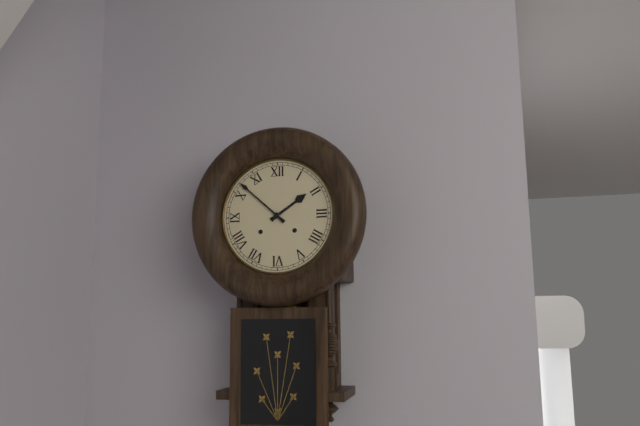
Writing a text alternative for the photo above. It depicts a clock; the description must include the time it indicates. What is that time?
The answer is 1:52
